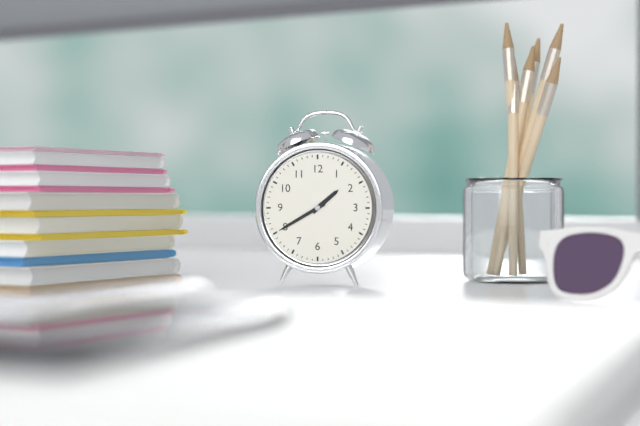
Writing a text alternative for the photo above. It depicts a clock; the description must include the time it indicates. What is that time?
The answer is 1:40
